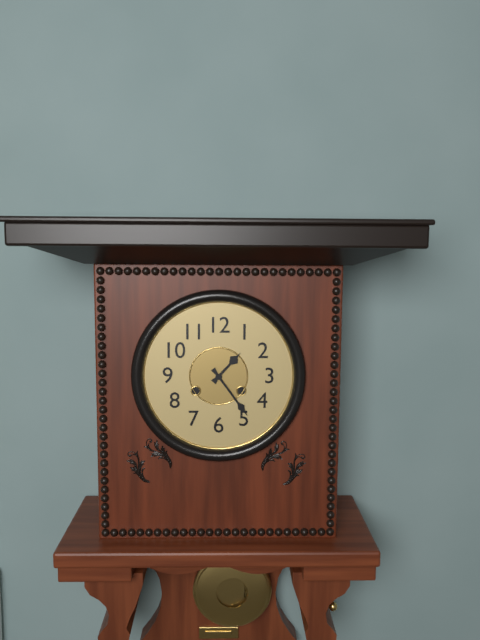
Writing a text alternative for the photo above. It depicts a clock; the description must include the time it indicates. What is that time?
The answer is 1:24
